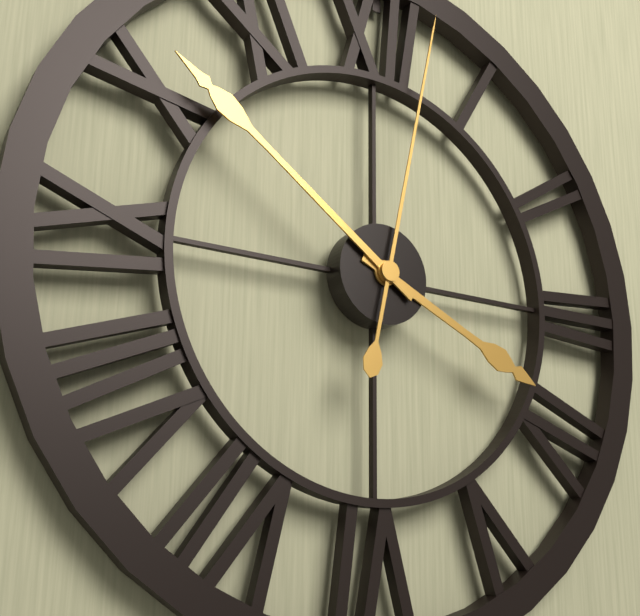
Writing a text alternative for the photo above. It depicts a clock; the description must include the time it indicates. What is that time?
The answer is 3:51:02
